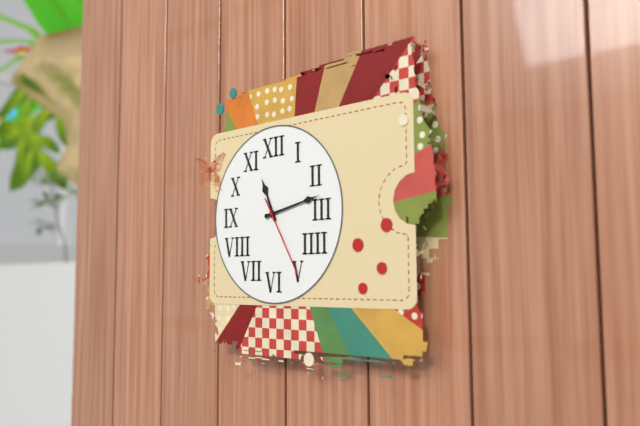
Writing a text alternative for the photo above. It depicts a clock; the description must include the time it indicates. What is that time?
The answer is 11:13:25
